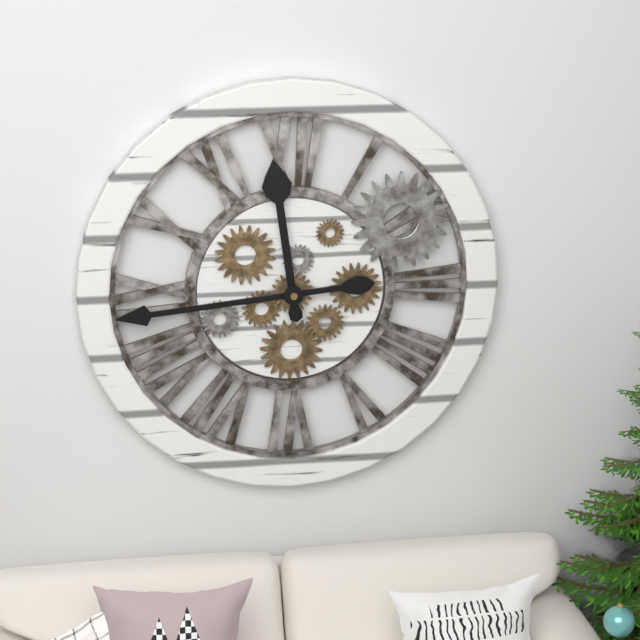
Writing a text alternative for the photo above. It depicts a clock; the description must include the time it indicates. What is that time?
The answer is 11:44
